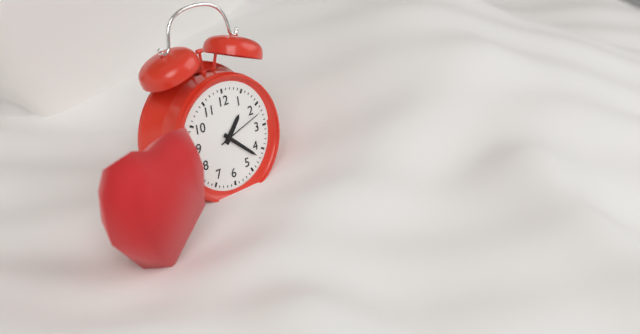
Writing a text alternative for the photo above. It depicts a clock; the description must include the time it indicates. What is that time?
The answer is 1:22:12
